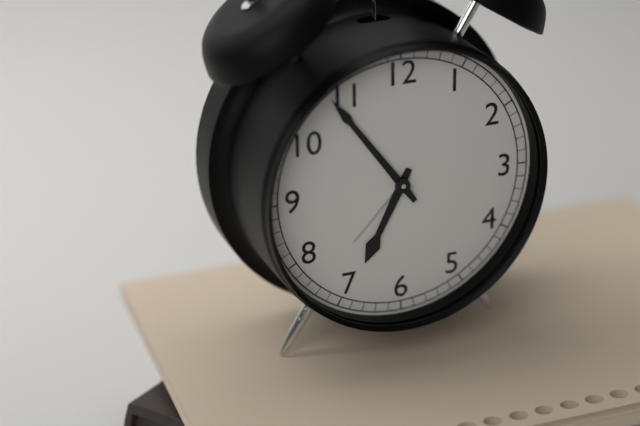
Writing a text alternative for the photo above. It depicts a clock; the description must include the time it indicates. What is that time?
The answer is 6:54
